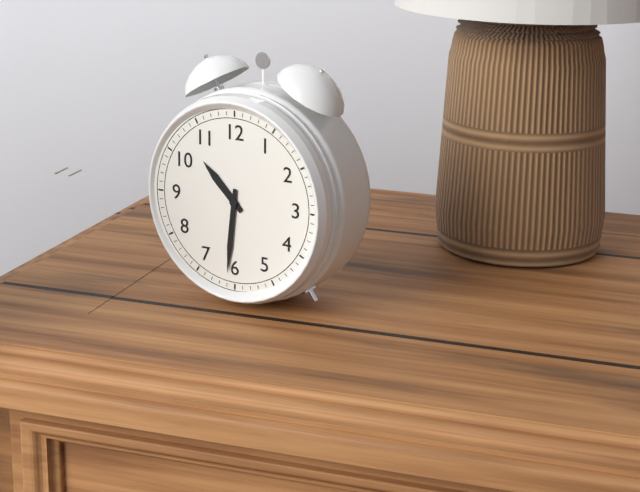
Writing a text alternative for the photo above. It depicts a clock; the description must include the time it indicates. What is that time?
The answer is 10:31
